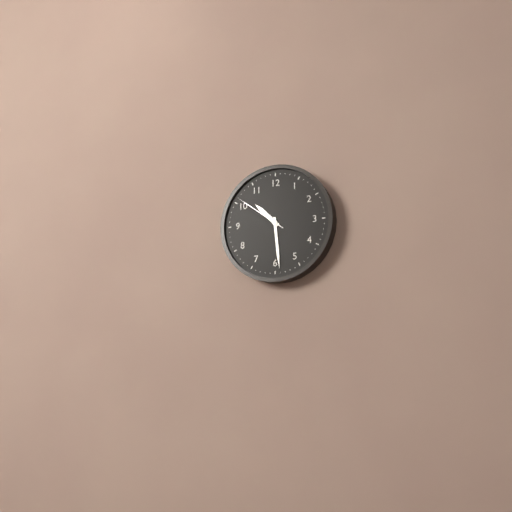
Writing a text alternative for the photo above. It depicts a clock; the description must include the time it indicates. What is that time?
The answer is 10:29:51
